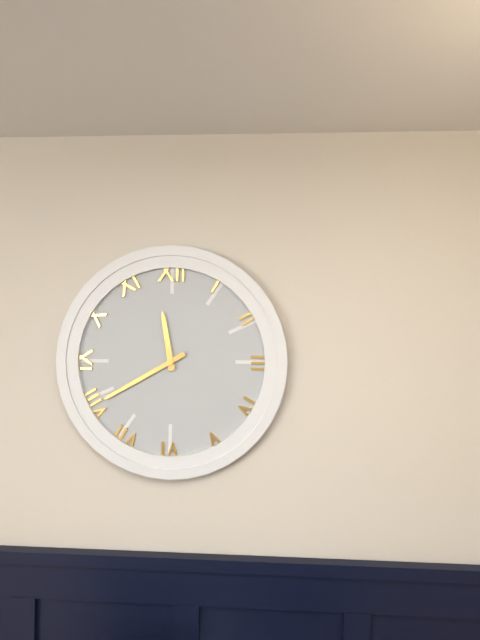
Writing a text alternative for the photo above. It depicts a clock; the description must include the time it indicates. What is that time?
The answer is 11:40
